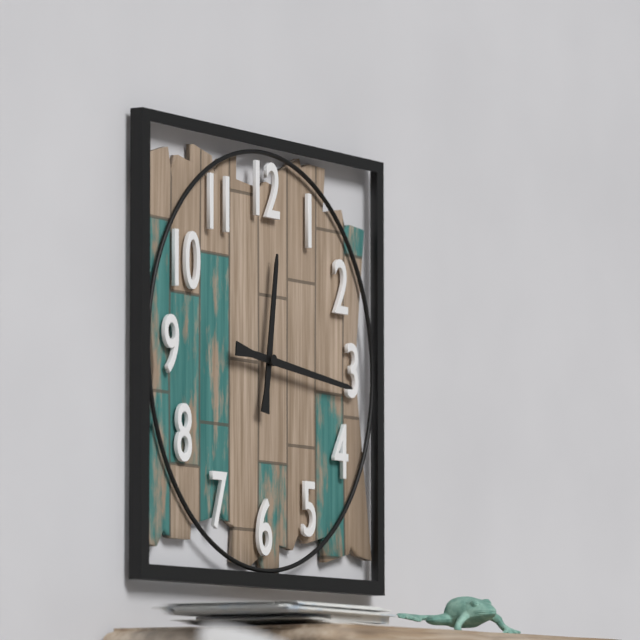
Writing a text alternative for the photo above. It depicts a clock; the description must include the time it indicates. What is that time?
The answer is 12:16
